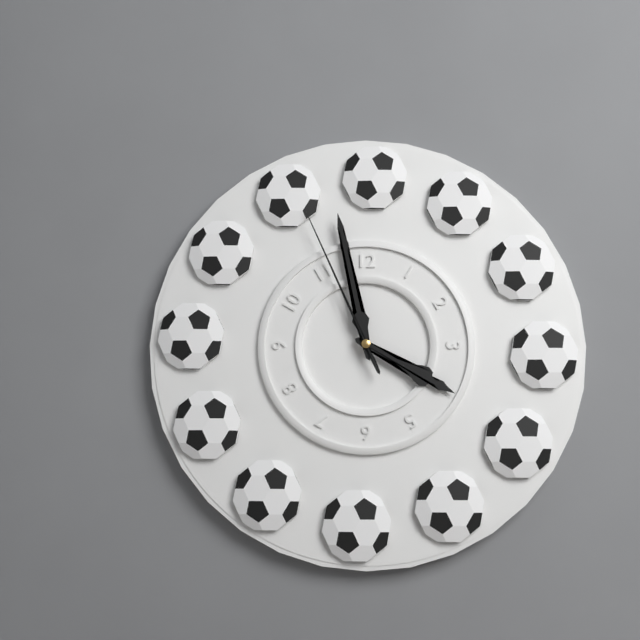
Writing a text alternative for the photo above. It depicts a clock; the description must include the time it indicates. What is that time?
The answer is 3:58:56
